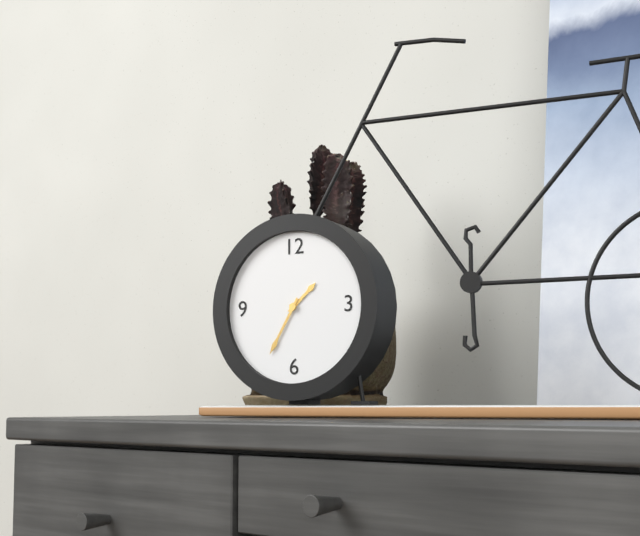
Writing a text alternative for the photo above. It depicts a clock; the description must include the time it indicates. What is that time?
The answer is 1:35
